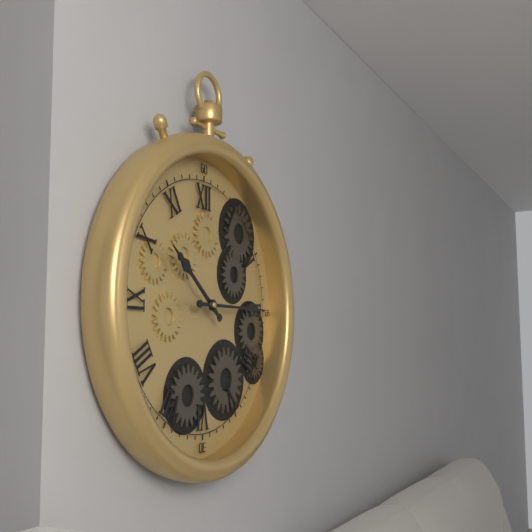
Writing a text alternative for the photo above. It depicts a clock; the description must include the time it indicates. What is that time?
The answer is 10:15
